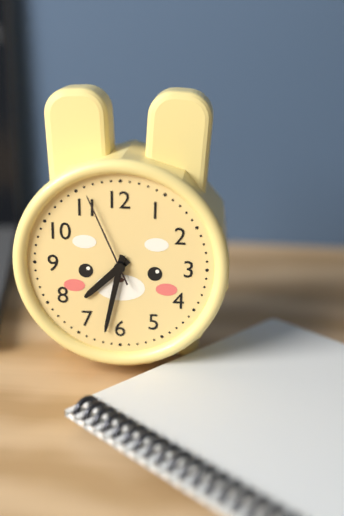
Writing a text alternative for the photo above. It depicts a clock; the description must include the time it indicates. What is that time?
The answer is 7:32:56
